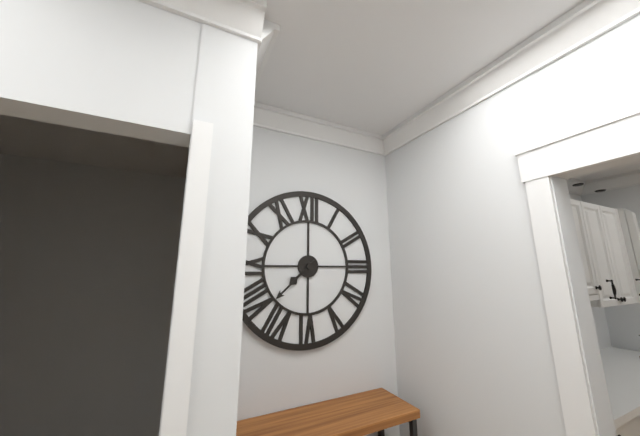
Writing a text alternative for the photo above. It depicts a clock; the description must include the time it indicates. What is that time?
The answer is 7:38
